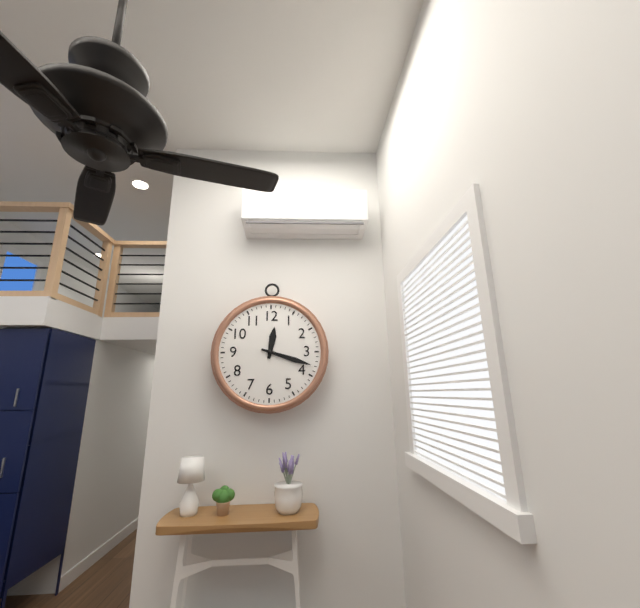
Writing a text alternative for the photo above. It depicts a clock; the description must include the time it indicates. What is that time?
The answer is 12:18
